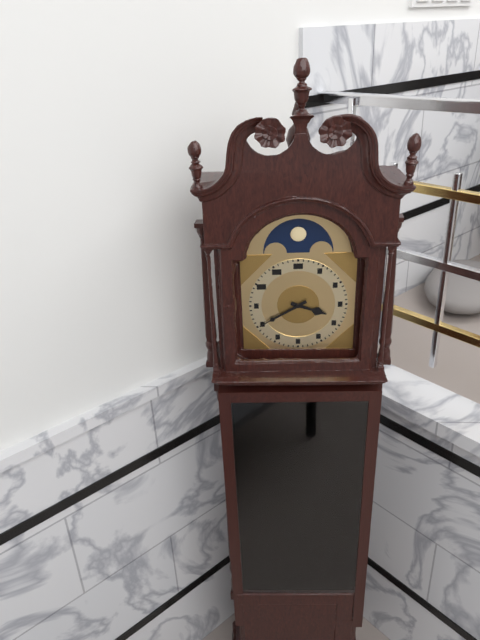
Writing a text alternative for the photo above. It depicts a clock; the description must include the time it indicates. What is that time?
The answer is 3:40
